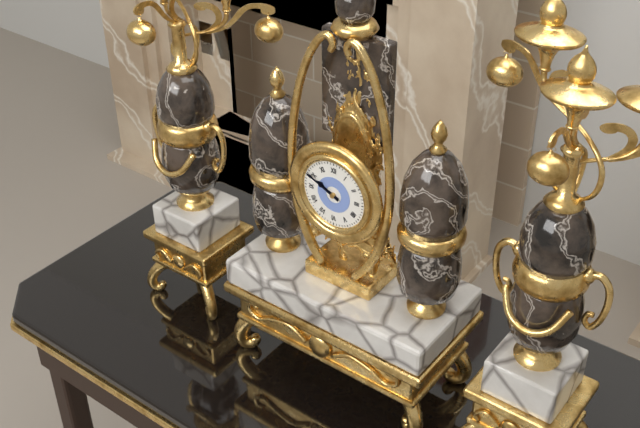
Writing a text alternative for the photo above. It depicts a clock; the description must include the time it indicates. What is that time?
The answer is 9:49
